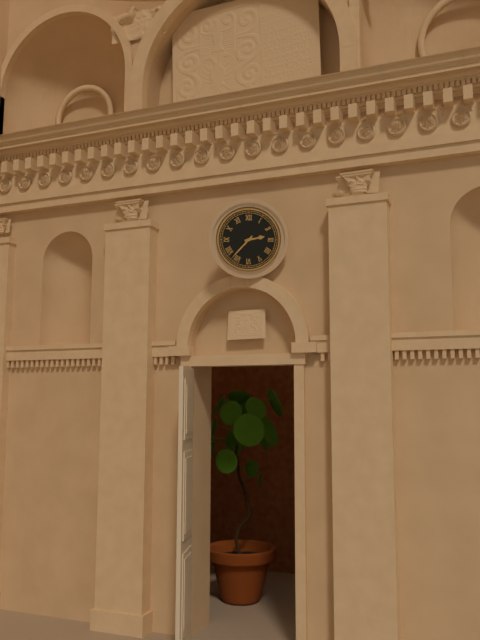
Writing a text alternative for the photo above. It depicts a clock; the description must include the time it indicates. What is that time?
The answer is 2:37
